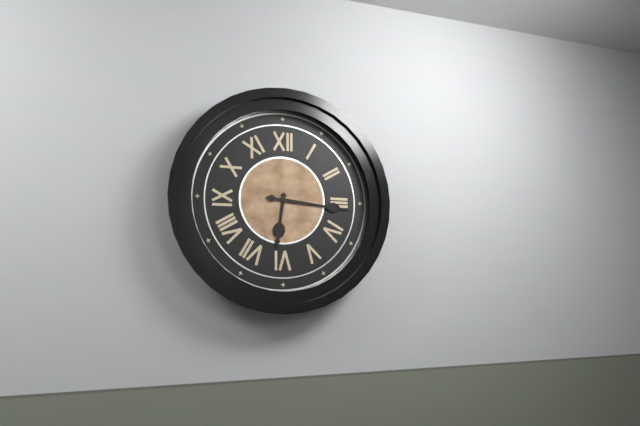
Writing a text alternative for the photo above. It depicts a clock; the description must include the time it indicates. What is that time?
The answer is 6:16
